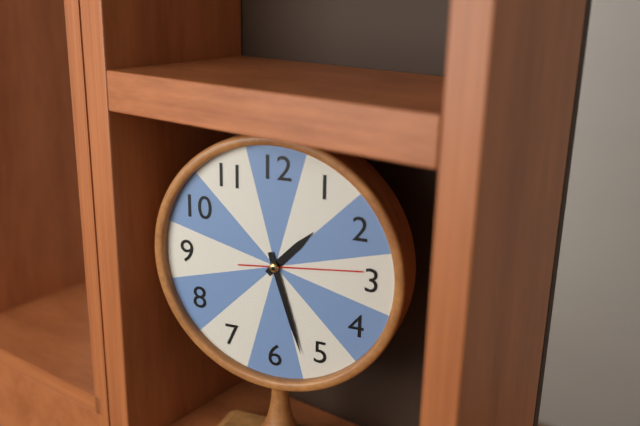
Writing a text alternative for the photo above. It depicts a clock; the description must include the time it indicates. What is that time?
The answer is 1:27:14
